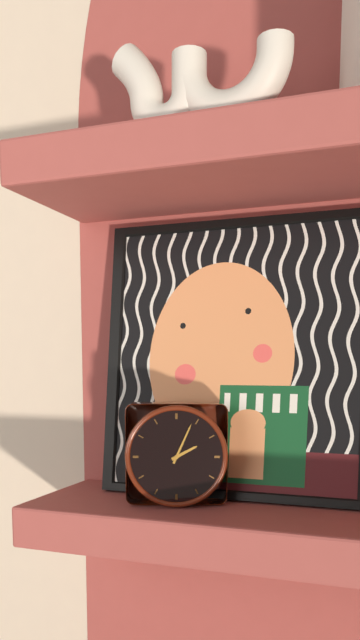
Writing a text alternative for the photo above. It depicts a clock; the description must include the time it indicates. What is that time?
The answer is 2:04
